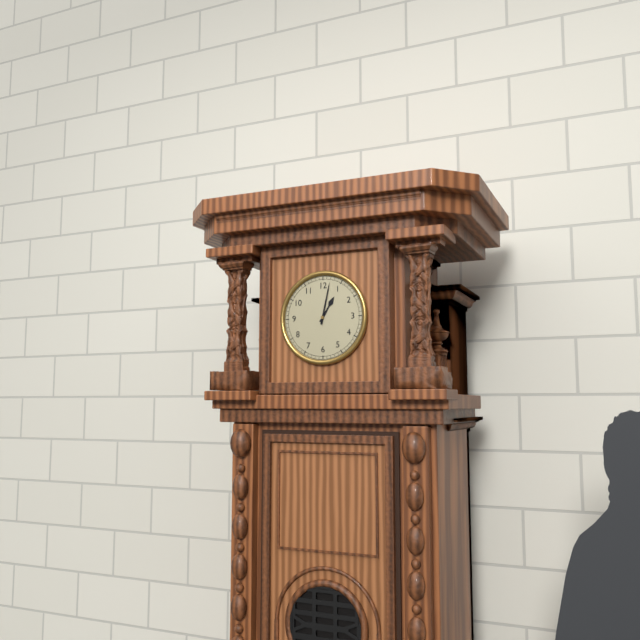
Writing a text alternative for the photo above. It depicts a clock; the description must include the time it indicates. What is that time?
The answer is 1:02
